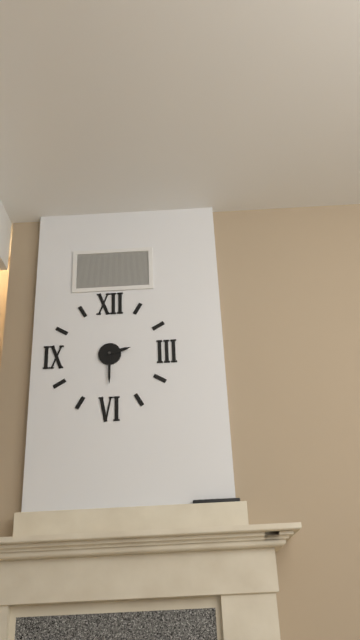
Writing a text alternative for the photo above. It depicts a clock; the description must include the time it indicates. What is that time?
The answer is 2:30
